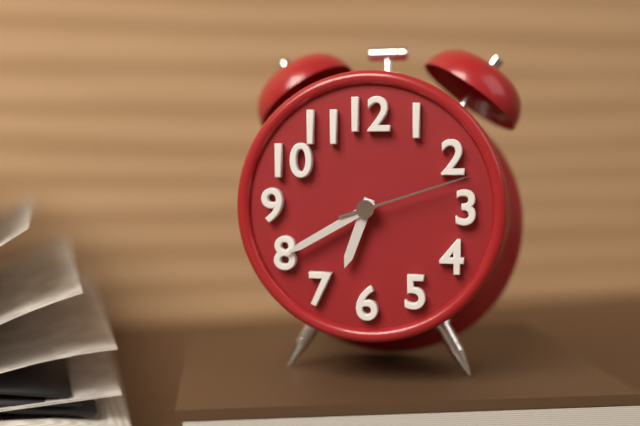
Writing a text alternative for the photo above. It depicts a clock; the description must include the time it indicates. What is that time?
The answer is 6:40:12
